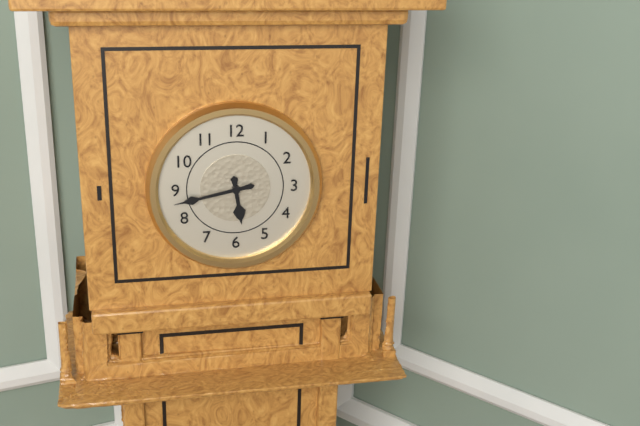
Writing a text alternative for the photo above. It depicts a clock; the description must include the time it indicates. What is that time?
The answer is 5:43
